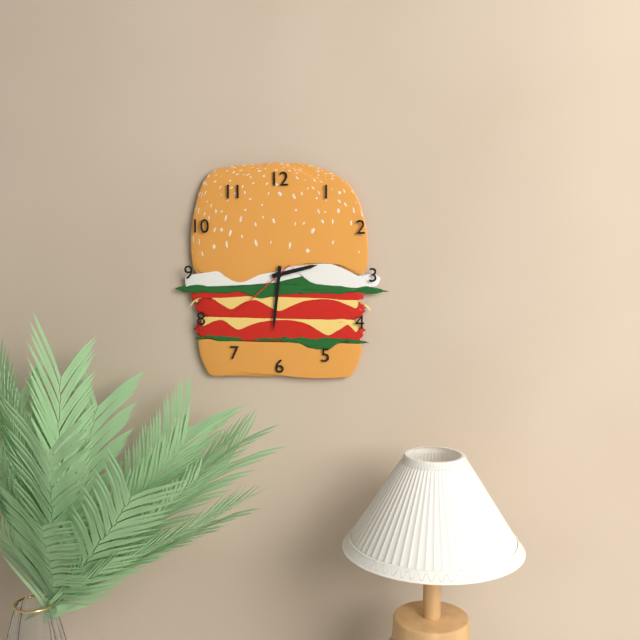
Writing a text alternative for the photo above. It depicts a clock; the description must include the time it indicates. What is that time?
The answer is 2:31:38
